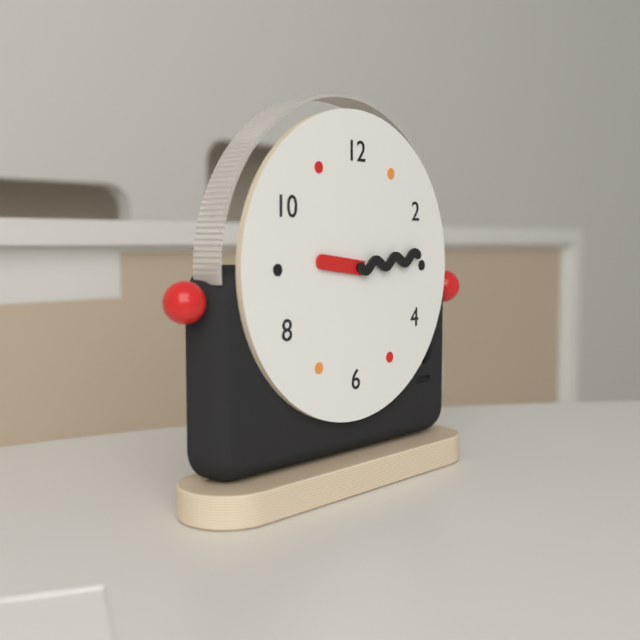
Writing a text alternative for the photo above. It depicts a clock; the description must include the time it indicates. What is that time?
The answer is 9:14
